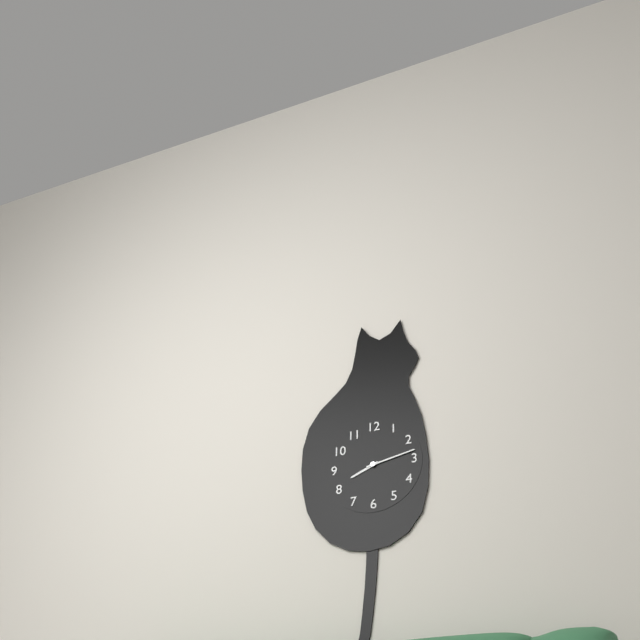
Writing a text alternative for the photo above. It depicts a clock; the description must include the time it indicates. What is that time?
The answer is 8:13
